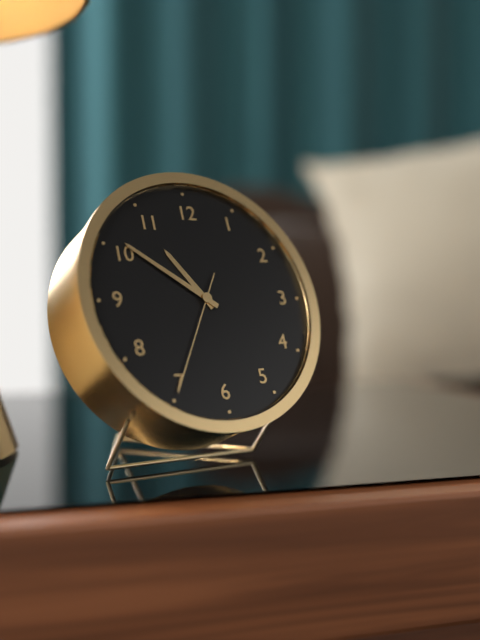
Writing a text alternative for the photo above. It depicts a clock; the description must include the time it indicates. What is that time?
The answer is 10:51:35
